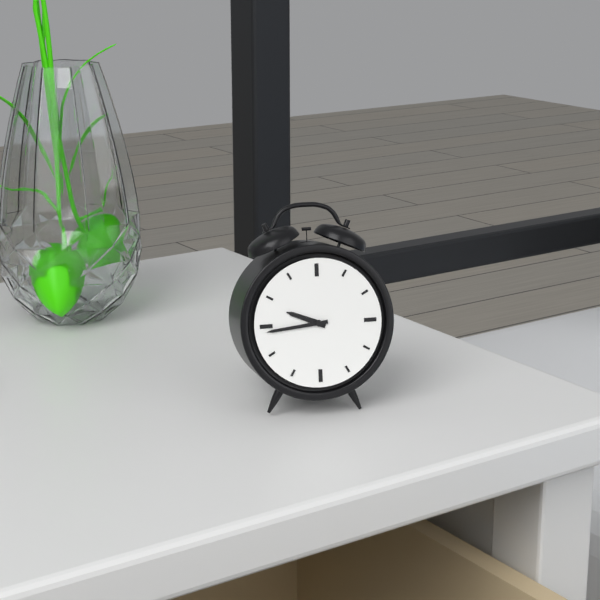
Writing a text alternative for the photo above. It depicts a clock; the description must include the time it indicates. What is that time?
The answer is 9:44
